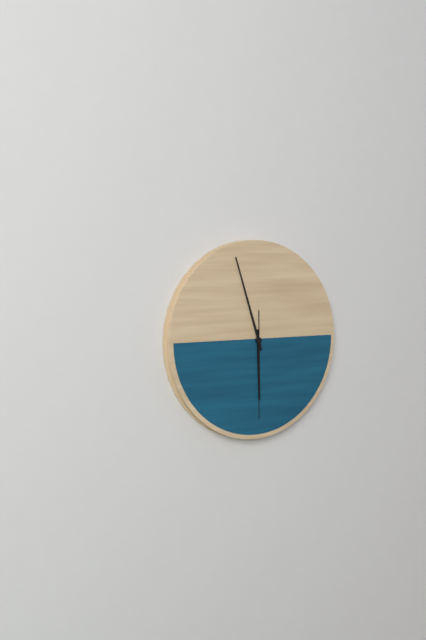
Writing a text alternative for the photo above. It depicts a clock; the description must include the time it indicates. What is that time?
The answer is 5:57:30
